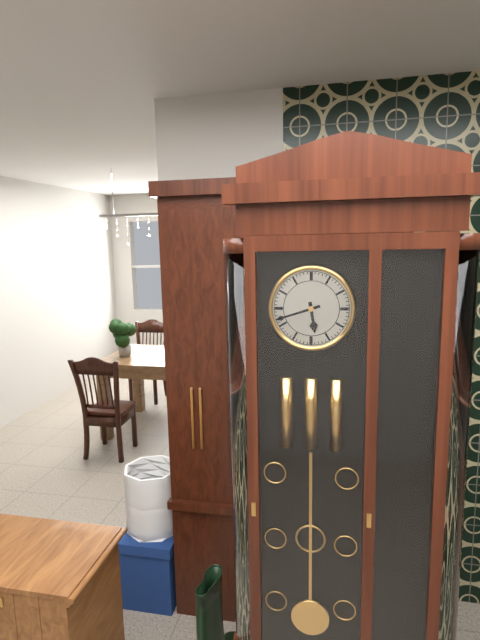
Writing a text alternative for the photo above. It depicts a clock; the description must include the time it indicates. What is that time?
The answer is 5:42
